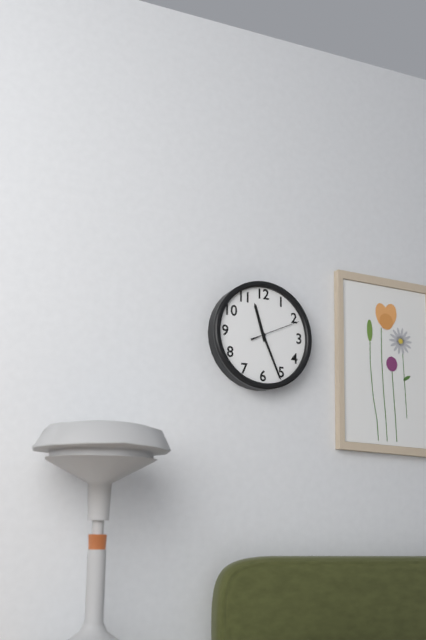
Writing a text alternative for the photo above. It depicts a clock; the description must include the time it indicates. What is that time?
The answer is 11:26
